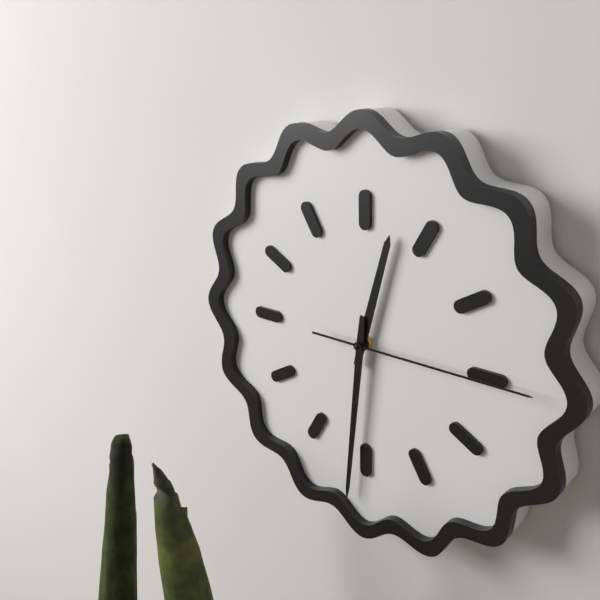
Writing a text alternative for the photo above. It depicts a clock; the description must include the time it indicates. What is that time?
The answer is 12:31:15
